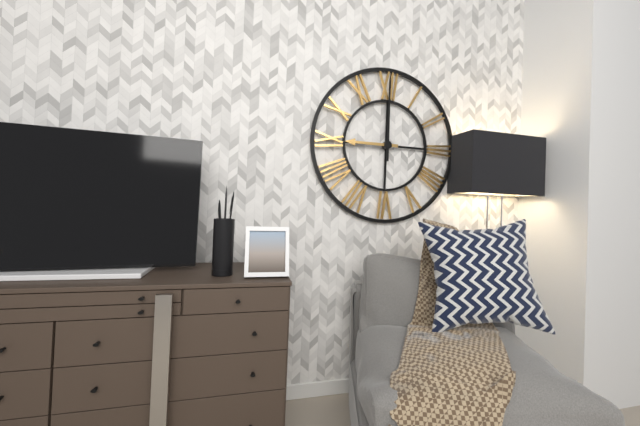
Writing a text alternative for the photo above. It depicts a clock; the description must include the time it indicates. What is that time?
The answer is 9:00
